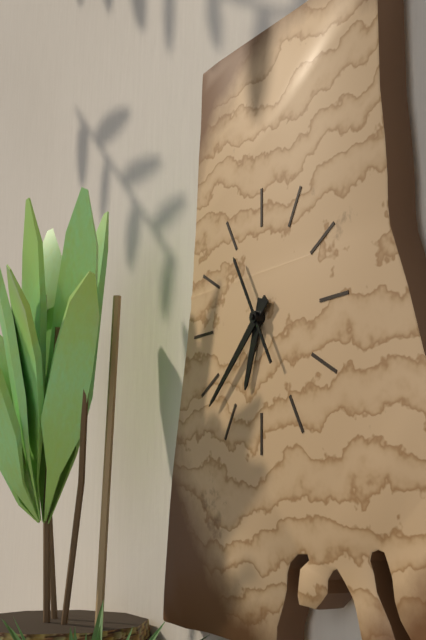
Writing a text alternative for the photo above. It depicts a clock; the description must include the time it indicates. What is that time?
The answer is 6:38:55
